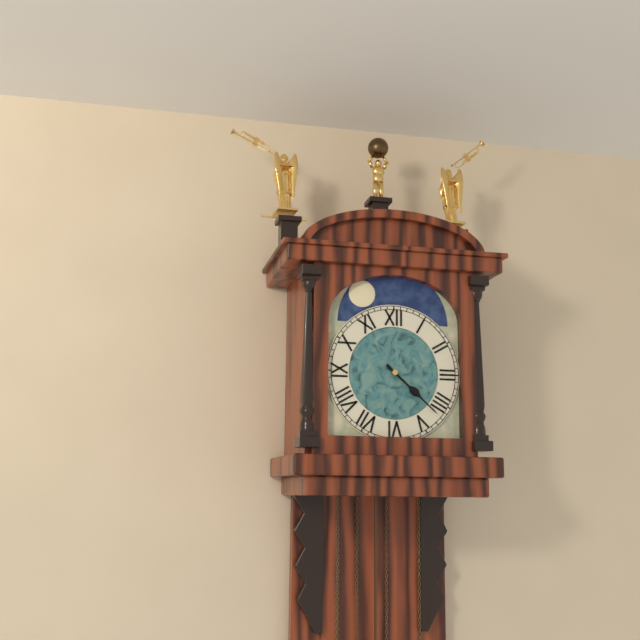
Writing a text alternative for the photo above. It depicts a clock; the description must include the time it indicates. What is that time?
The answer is 4:22
